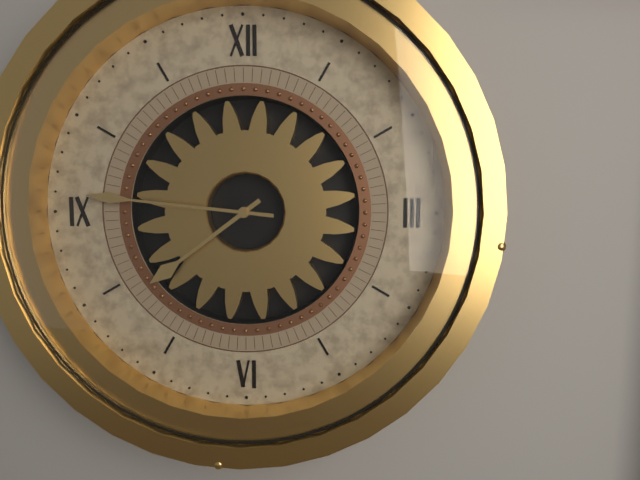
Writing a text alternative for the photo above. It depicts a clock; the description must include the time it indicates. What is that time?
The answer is 7:46
